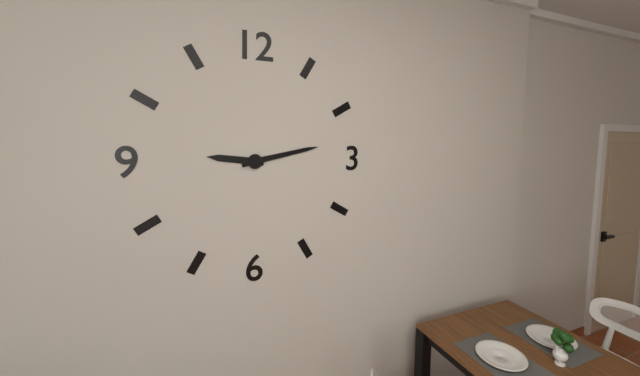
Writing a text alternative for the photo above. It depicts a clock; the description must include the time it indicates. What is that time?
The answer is 9:13
